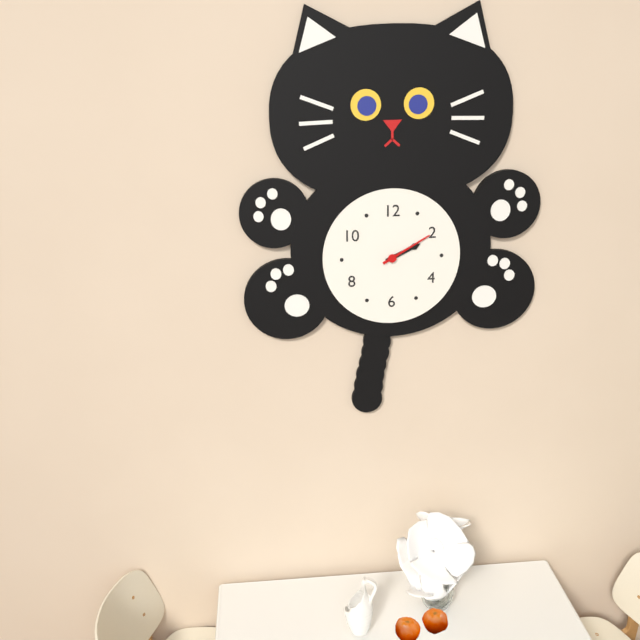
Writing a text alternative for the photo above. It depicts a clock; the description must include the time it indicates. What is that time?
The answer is 2:10
